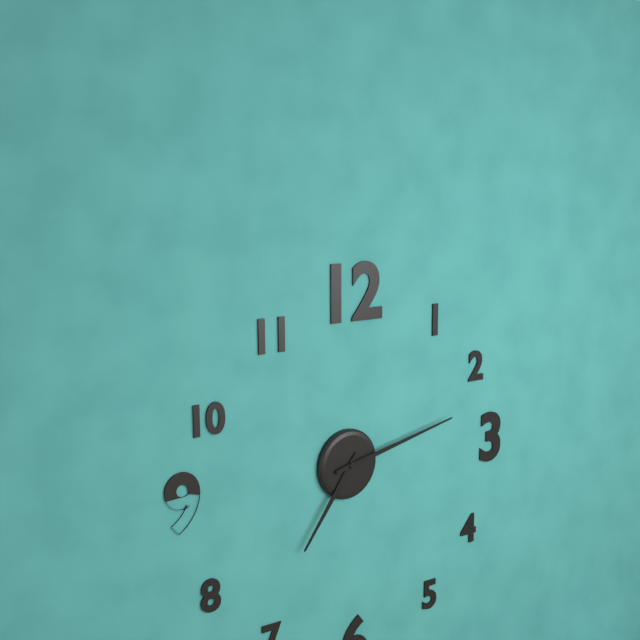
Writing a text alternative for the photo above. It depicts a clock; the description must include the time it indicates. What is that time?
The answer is 7:13
